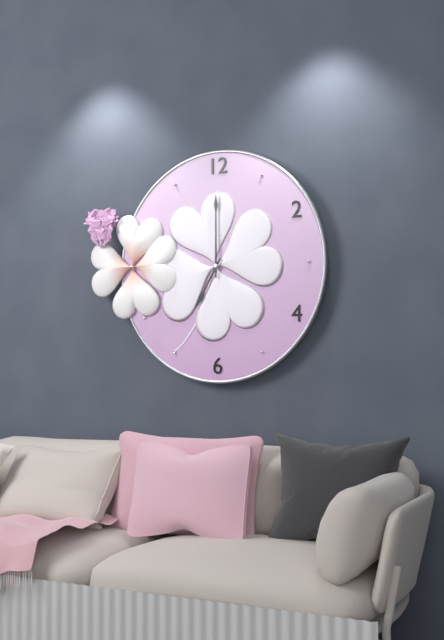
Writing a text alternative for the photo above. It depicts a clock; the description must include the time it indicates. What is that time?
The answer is 7:00
